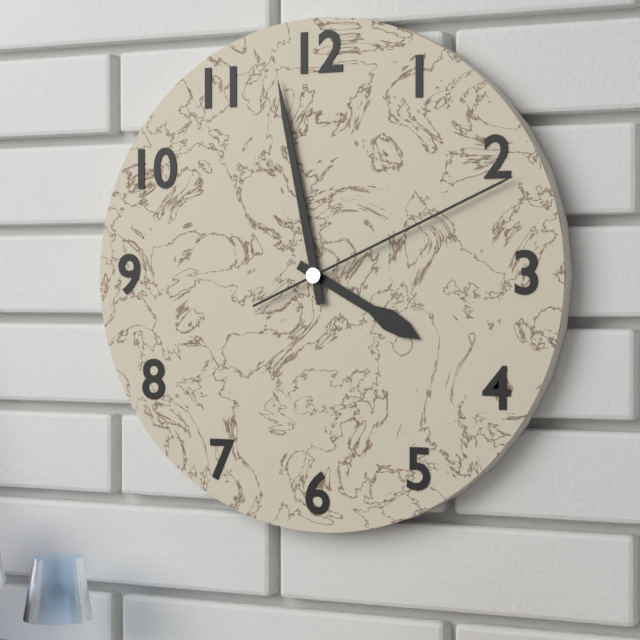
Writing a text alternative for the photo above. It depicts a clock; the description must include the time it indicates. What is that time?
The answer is 3:58:11
